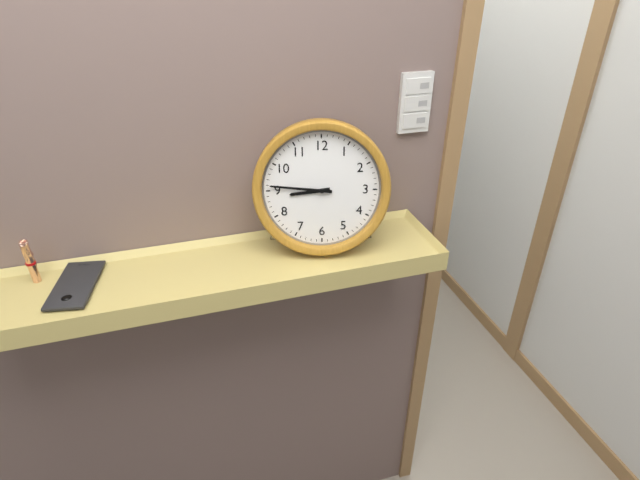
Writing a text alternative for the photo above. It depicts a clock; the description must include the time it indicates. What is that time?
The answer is 8:46
